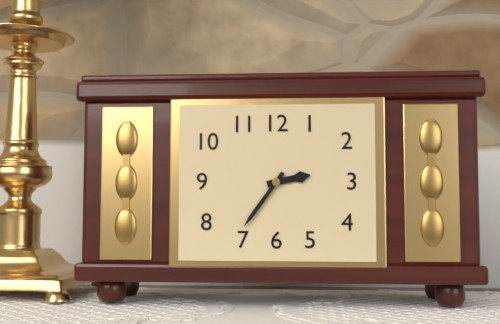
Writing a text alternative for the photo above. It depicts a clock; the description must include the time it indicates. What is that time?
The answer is 2:36
